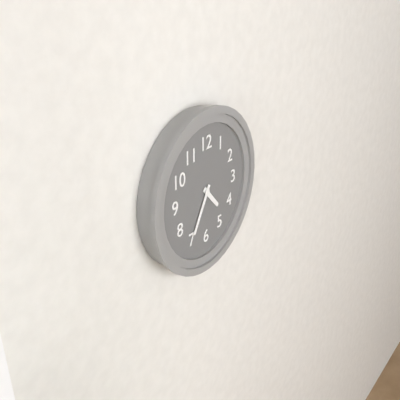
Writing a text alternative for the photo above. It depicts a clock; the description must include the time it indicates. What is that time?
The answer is 4:35
